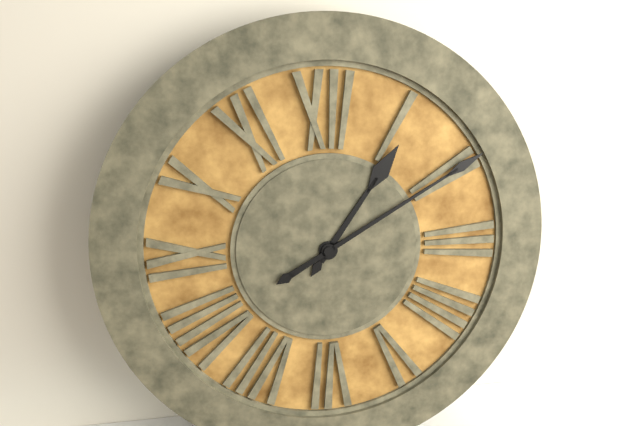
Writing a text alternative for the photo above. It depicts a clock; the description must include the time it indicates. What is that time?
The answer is 1:10
